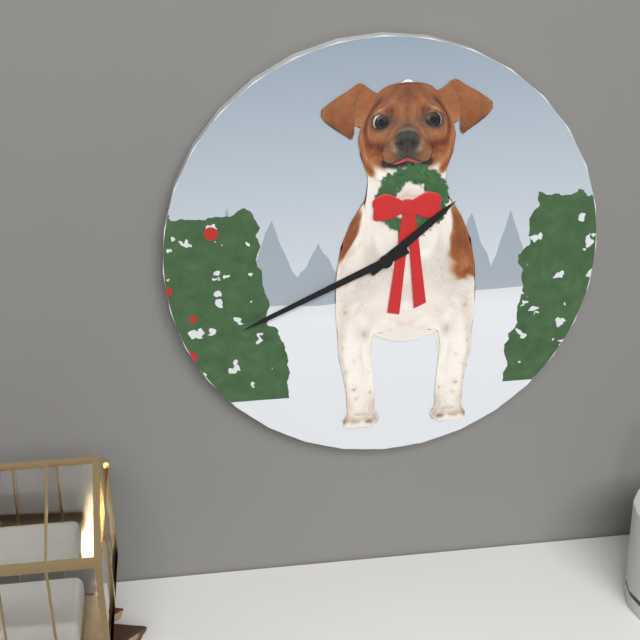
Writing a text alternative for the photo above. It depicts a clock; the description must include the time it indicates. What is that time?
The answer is 1:41
